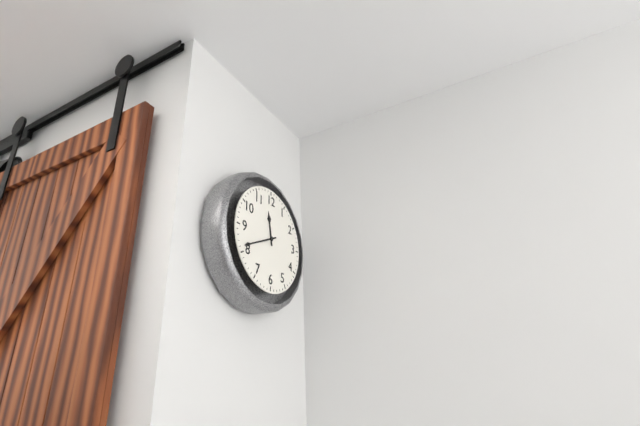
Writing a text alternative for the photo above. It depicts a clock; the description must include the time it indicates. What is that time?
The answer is 11:41
